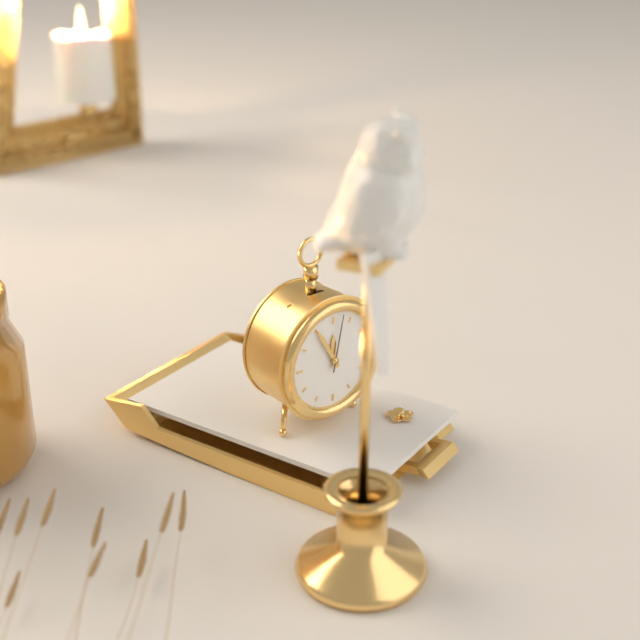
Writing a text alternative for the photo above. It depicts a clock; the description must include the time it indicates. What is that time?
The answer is 11:55:02
